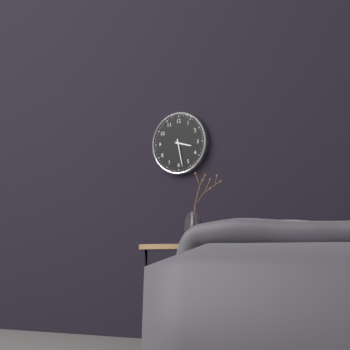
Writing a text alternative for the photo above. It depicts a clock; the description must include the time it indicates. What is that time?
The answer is 3:28
